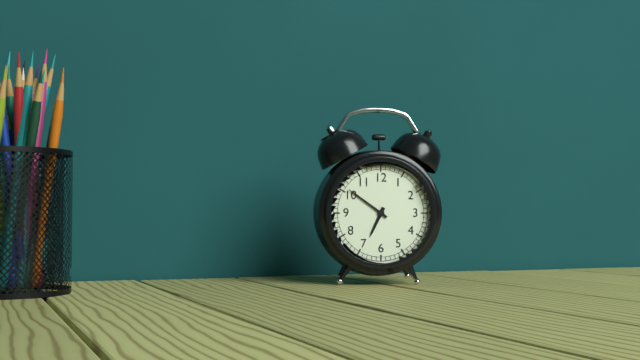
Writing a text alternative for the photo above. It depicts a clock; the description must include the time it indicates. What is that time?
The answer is 6:51
